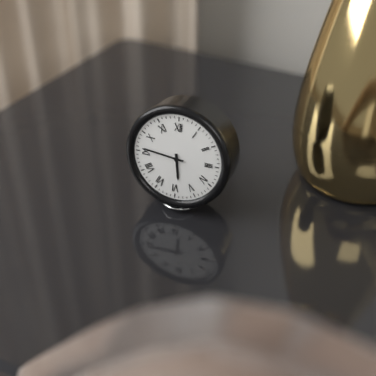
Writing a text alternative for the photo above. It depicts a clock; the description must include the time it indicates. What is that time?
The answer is 5:46
